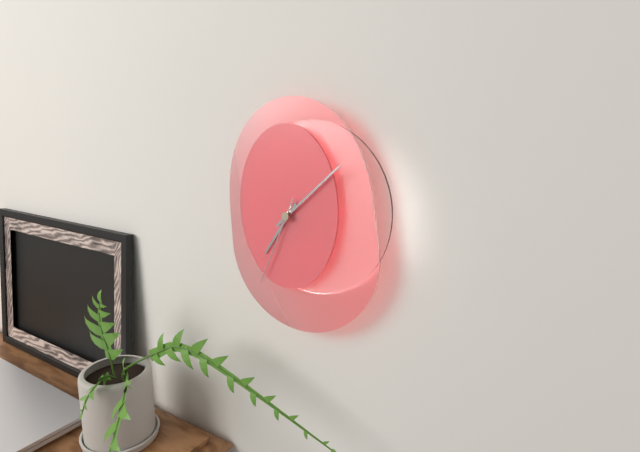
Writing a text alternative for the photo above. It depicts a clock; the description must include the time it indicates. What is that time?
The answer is 7:08:34
